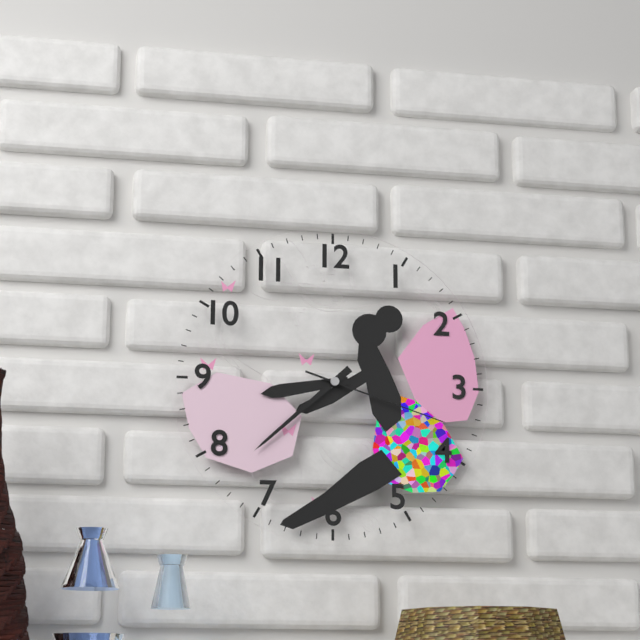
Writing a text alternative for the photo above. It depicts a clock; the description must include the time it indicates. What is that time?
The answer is 8:38:18
